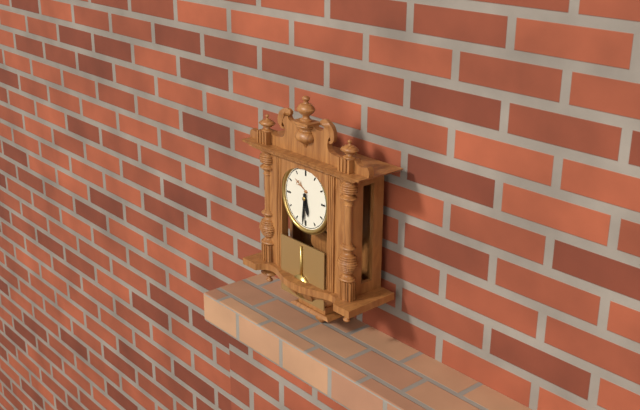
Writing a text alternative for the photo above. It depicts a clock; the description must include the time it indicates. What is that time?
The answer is 5:31
